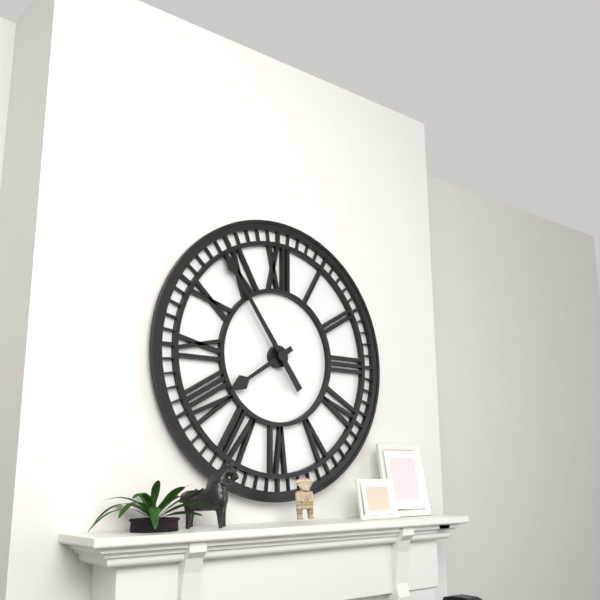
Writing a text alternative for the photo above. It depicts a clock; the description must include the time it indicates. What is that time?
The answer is 7:54
